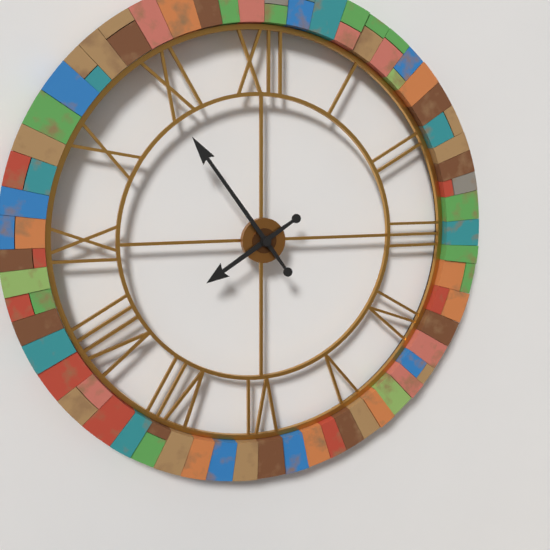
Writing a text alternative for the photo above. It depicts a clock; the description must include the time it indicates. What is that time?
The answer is 7:54
